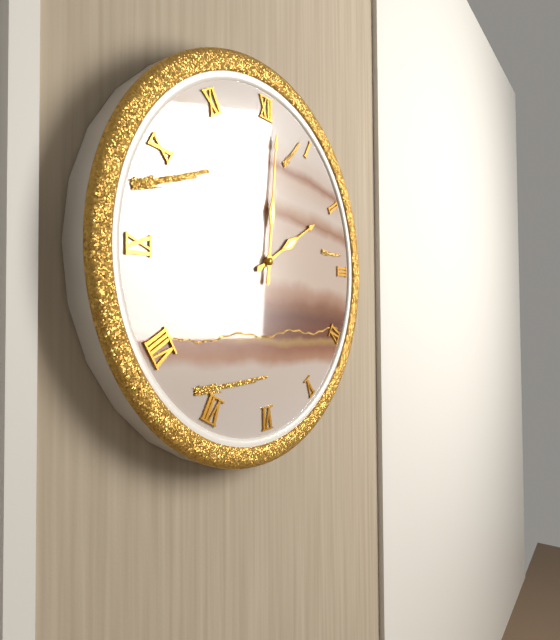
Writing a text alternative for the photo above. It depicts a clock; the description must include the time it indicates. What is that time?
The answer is 2:01
